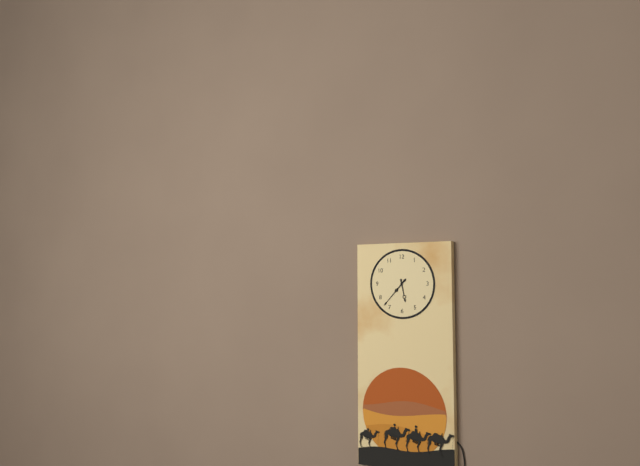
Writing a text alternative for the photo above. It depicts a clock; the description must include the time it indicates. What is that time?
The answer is 5:37
